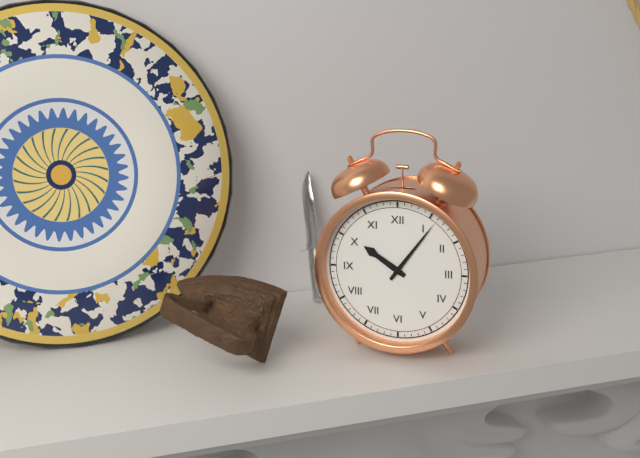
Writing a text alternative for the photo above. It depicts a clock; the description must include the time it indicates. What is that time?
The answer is 10:06
